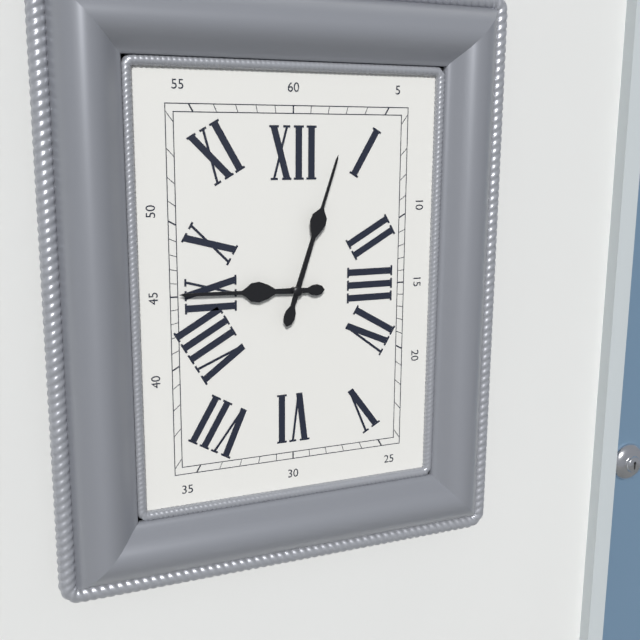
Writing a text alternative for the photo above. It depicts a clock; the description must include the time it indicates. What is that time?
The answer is 9:03
